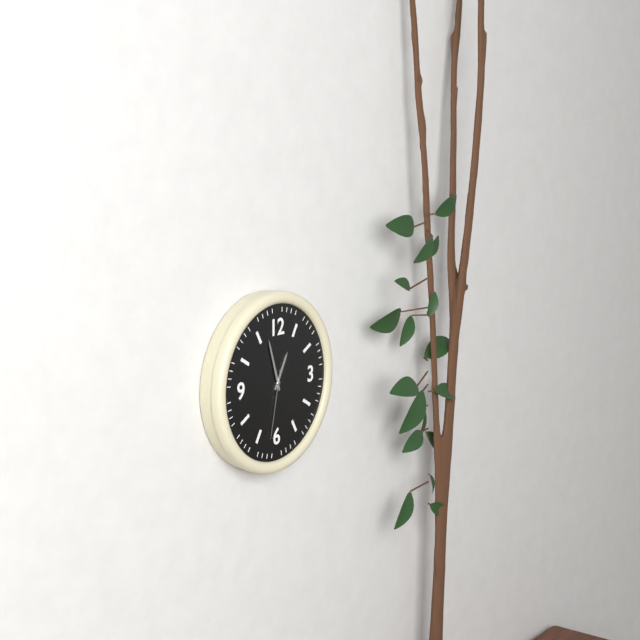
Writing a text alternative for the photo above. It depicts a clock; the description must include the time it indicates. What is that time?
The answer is 12:57:32
